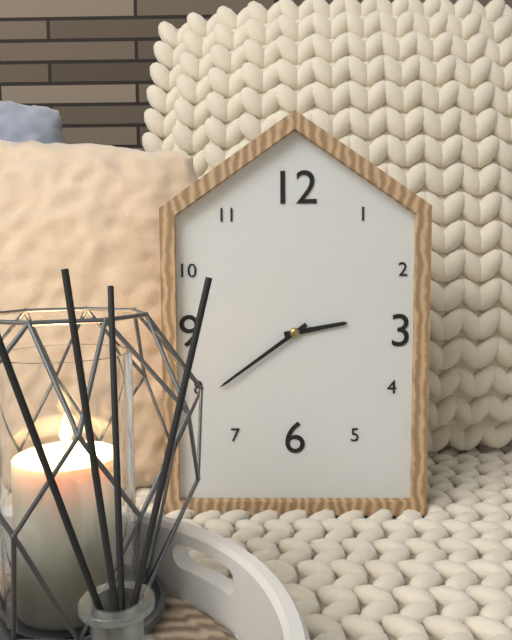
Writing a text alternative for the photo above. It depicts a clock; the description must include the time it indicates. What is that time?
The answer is 2:39
